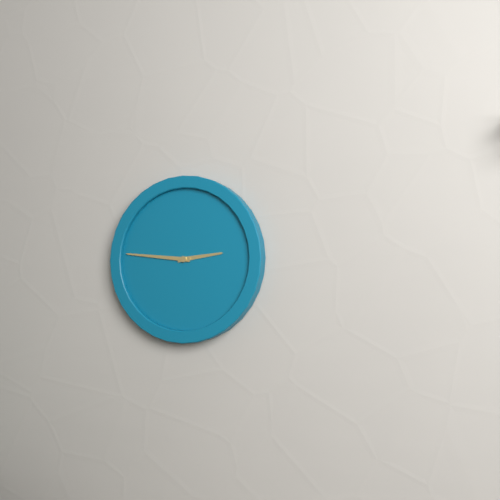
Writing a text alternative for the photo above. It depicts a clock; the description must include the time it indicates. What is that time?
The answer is 2:46
